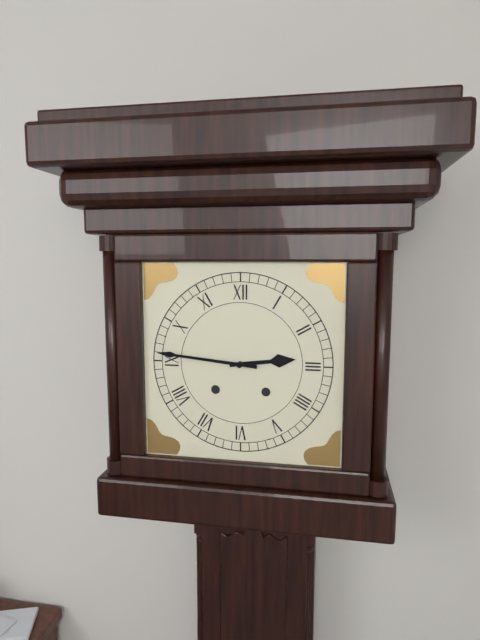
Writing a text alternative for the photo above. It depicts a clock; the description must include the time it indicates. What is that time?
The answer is 2:46
